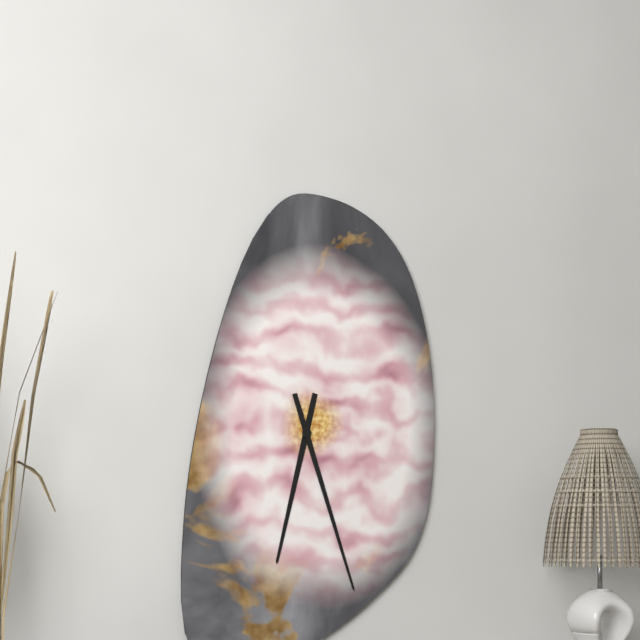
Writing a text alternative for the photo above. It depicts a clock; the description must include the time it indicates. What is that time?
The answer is 6:27
